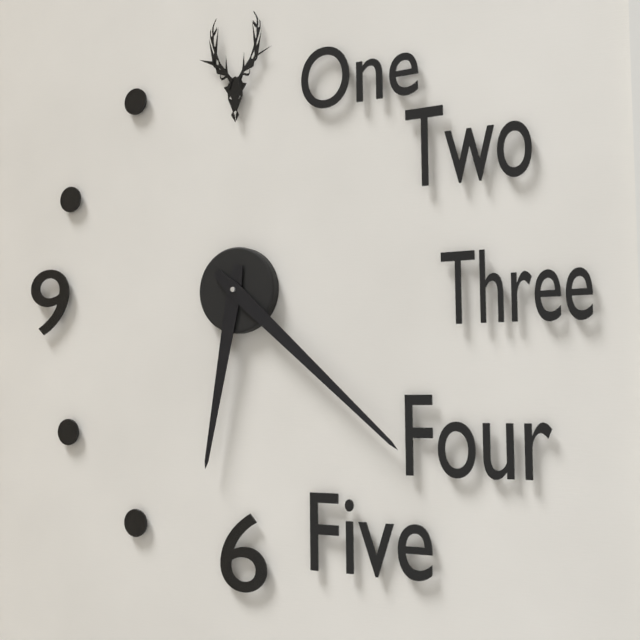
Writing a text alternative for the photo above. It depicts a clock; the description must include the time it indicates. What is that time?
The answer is 6:22
